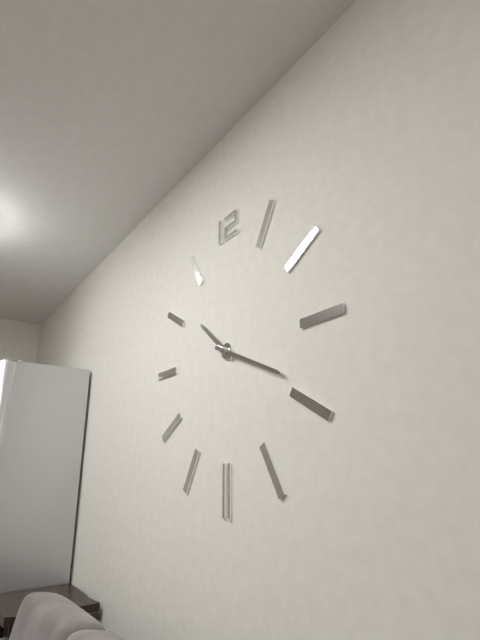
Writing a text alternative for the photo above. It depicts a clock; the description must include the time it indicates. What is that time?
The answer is 10:19
